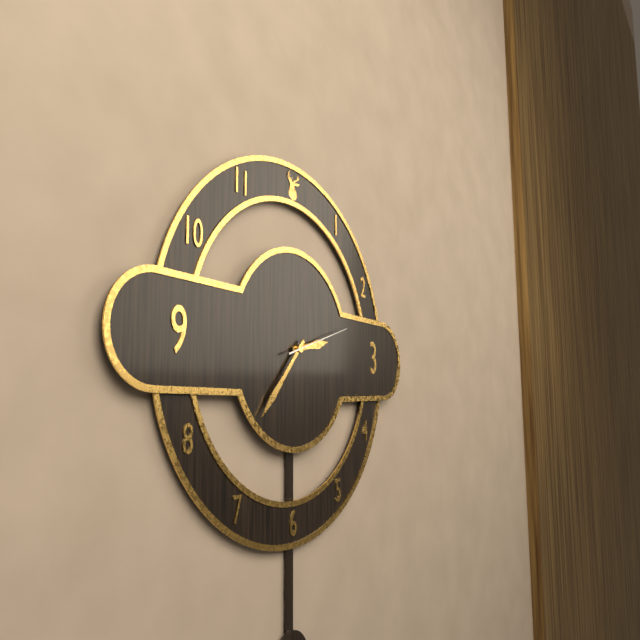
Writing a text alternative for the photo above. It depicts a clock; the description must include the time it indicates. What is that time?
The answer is 2:37:12
